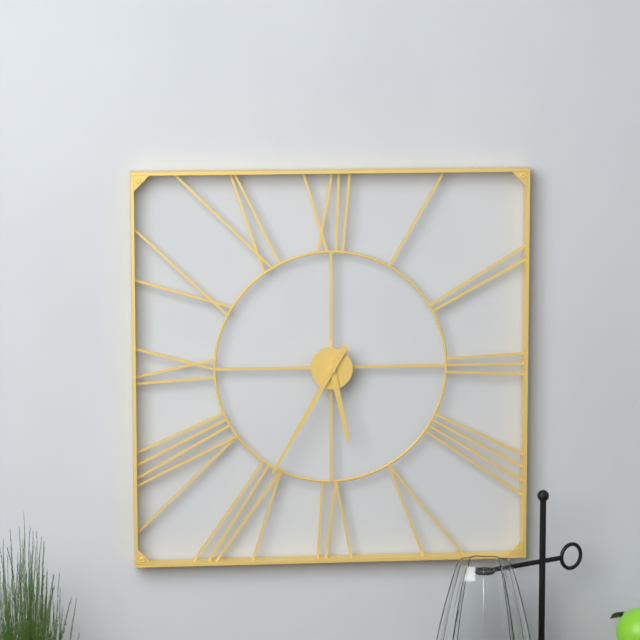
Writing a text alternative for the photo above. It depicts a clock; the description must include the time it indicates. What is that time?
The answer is 5:35
